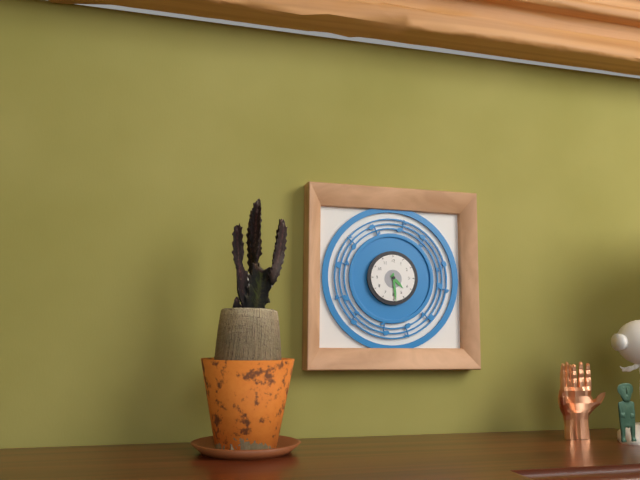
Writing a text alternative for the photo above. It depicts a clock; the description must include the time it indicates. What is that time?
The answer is 4:29
